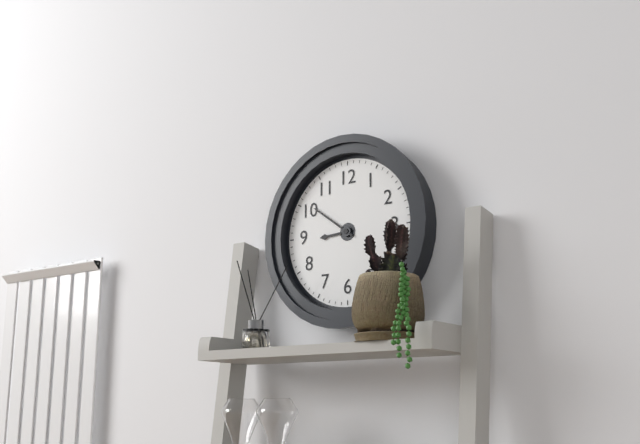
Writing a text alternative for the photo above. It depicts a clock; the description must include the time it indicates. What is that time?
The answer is 8:51
